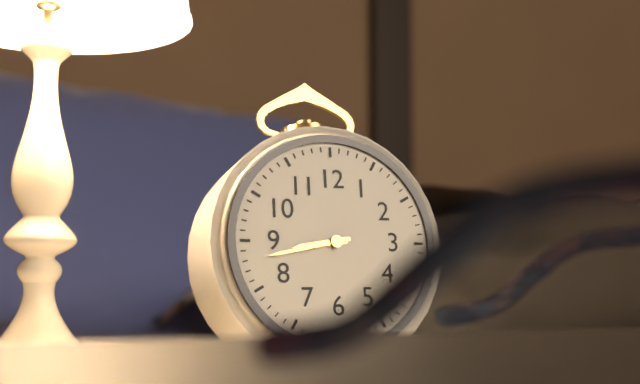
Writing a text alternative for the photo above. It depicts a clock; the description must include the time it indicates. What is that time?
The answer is 8:43
